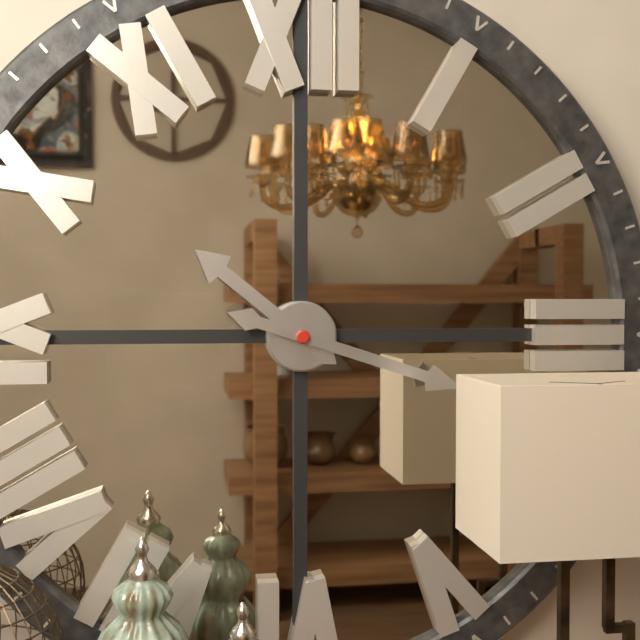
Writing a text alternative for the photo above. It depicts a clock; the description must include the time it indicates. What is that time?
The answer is 10:18
